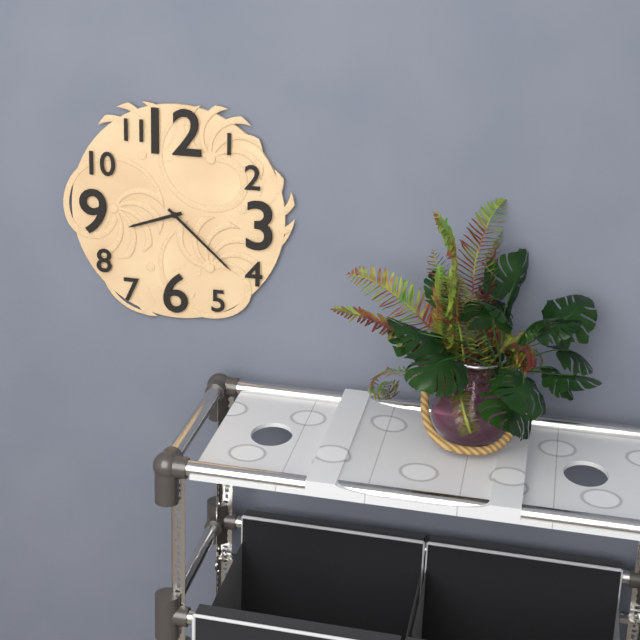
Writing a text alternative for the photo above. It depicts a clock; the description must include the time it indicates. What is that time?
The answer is 8:22
